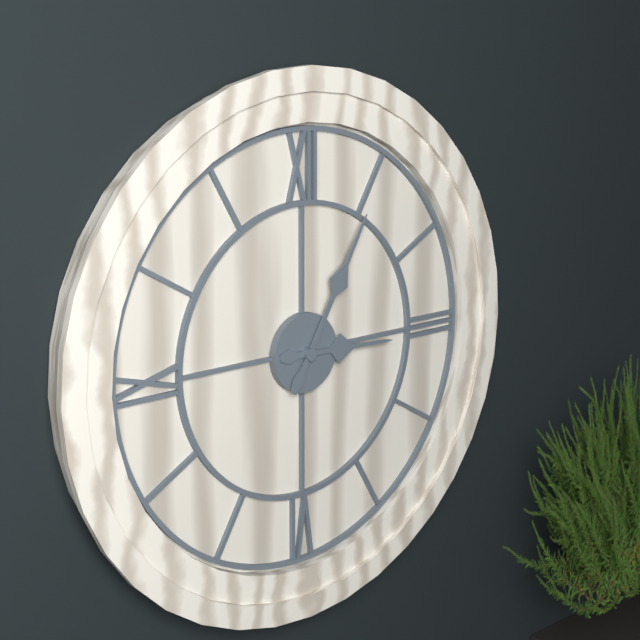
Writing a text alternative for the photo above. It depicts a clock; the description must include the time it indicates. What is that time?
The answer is 3:05
